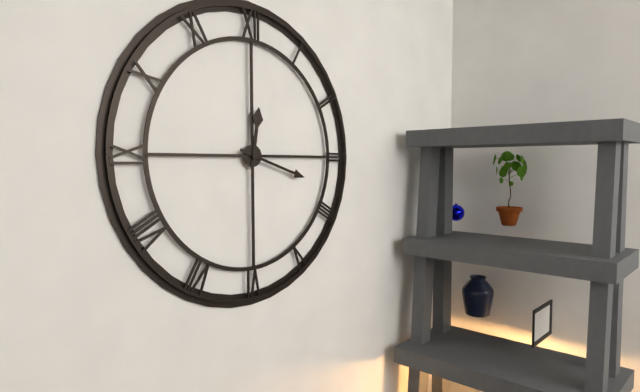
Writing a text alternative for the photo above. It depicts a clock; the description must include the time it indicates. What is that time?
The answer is 12:18
